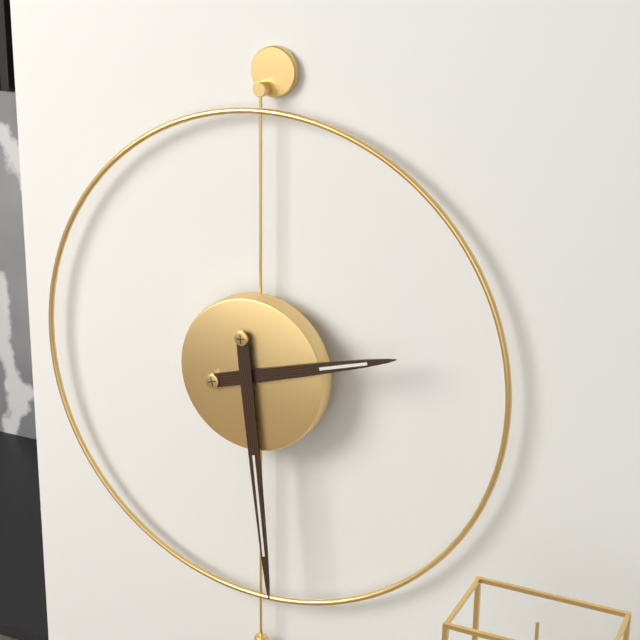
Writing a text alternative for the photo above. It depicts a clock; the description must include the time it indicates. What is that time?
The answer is 2:29
